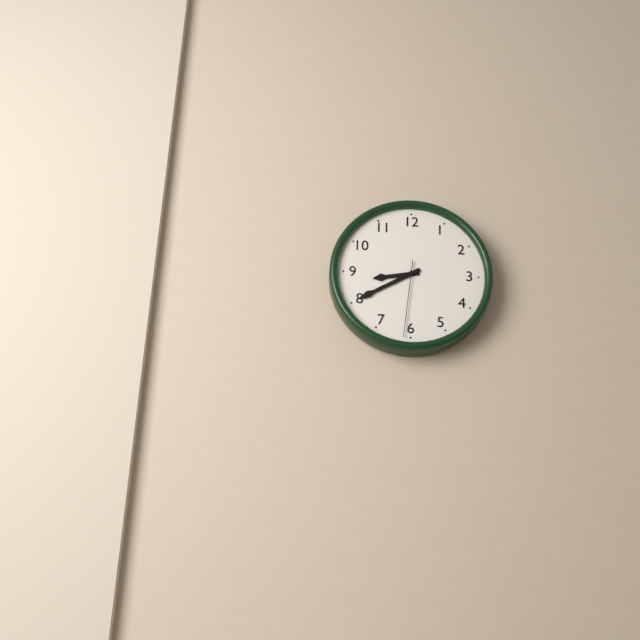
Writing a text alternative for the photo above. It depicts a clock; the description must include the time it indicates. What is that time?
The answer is 8:40:31
